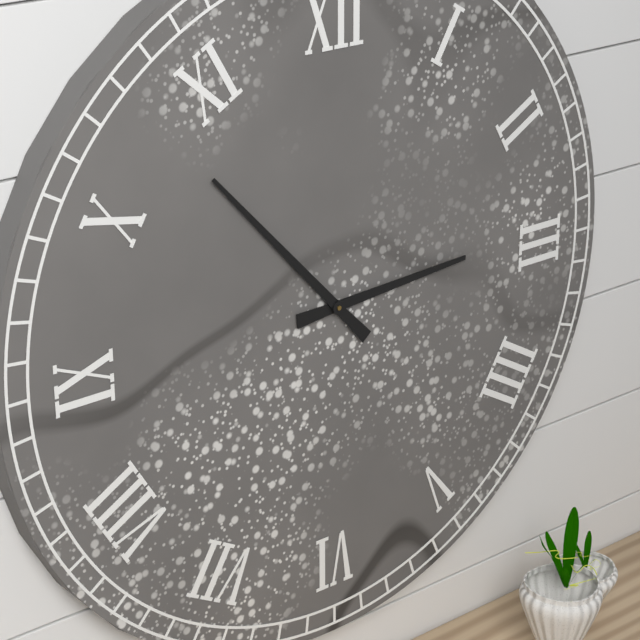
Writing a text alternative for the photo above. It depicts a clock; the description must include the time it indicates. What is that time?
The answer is 2:53
